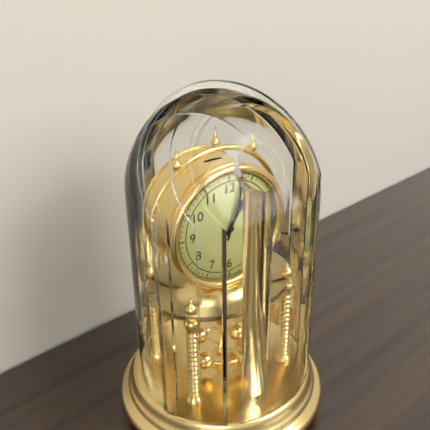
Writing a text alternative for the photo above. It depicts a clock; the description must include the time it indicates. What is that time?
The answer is 1:03
